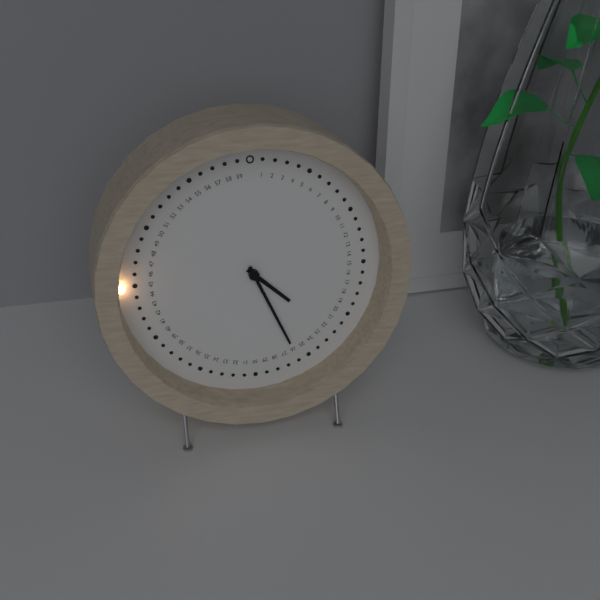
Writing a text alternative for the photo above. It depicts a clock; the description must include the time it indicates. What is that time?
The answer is 4:26
